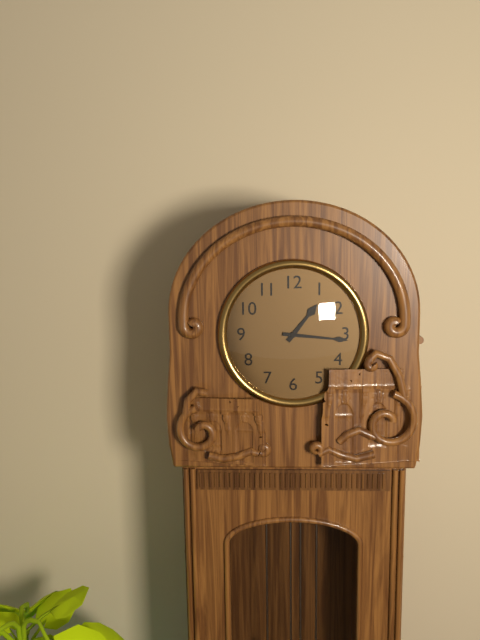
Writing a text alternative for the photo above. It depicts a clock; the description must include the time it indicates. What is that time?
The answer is 1:16
